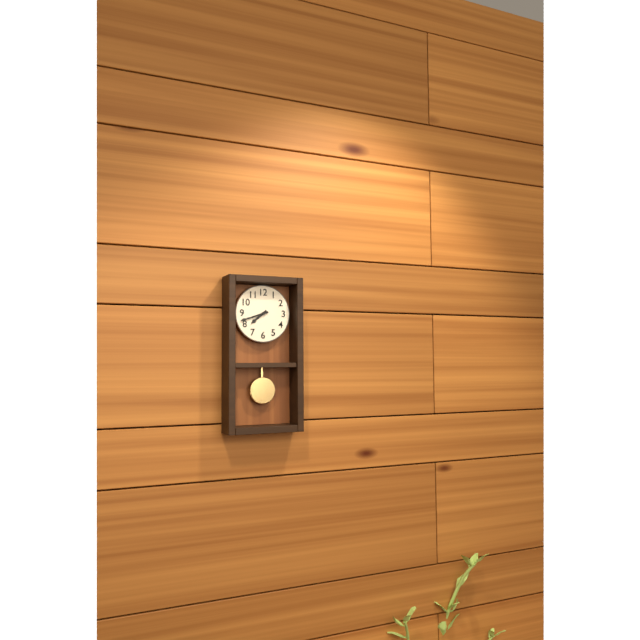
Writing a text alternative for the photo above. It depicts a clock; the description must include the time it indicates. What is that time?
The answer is 7:42
